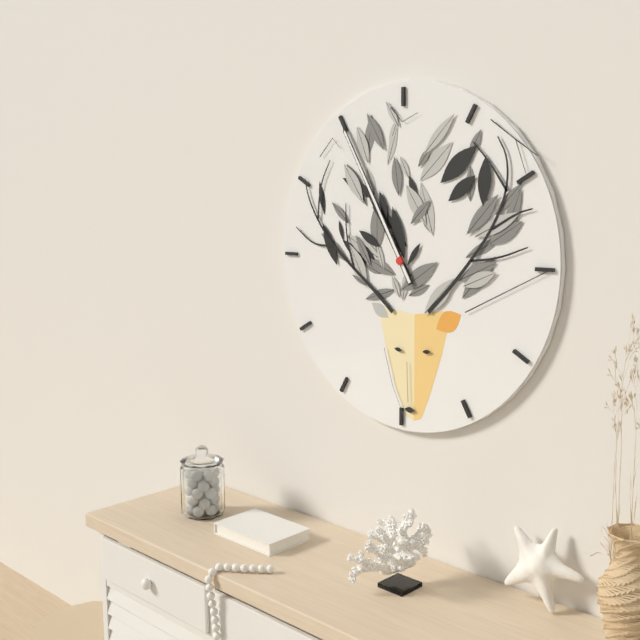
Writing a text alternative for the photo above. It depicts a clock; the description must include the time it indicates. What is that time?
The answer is 10:55
